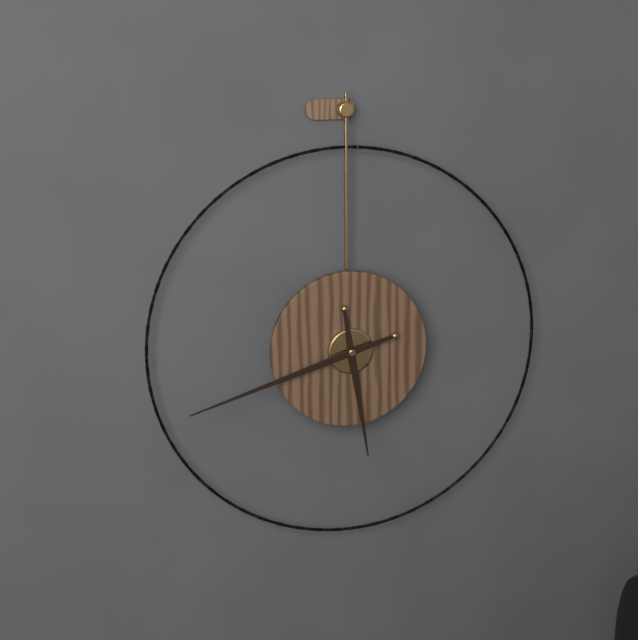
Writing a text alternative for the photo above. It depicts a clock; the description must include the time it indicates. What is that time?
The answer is 5:42
